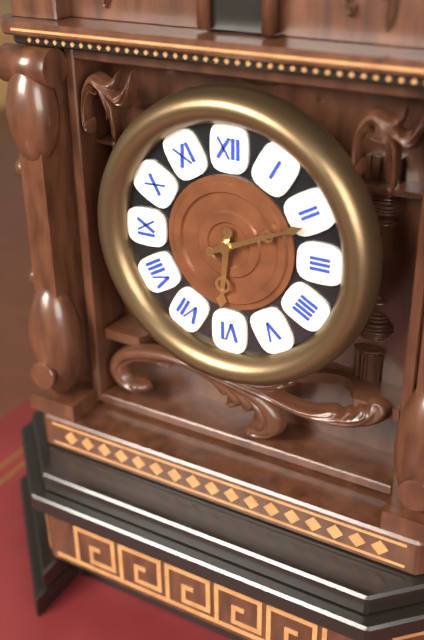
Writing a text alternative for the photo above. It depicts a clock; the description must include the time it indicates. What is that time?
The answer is 6:11
